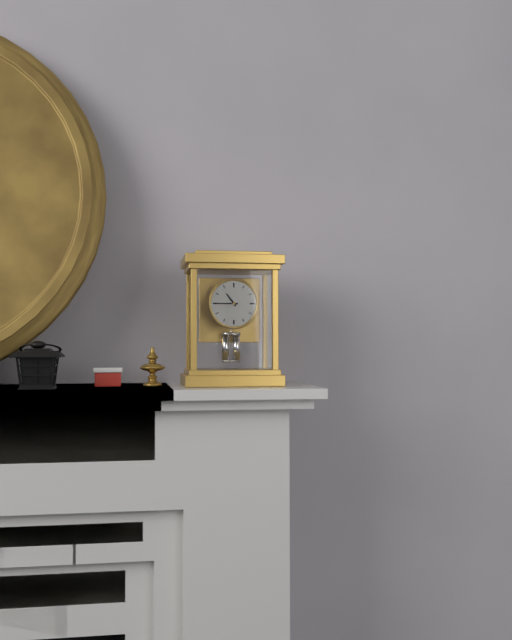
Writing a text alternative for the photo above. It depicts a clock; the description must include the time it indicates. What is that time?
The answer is 10:45
